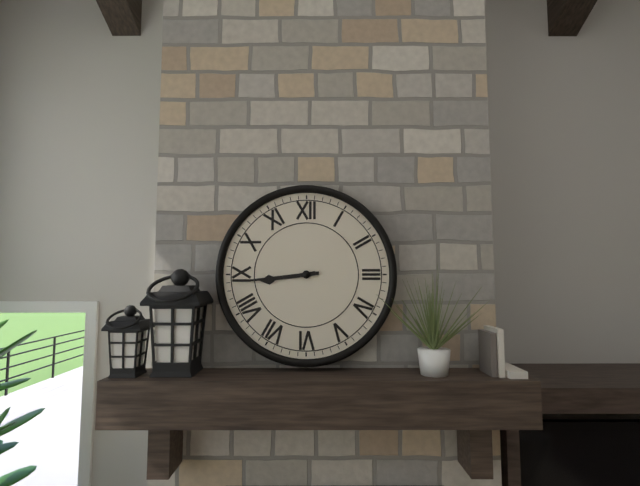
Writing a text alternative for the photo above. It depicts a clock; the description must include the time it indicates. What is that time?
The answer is 8:44
